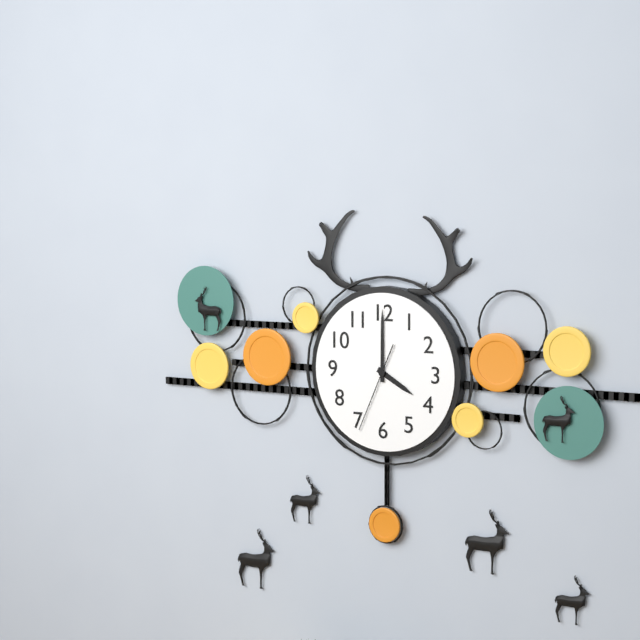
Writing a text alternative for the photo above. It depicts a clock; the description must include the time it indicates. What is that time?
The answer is 4:00:34
